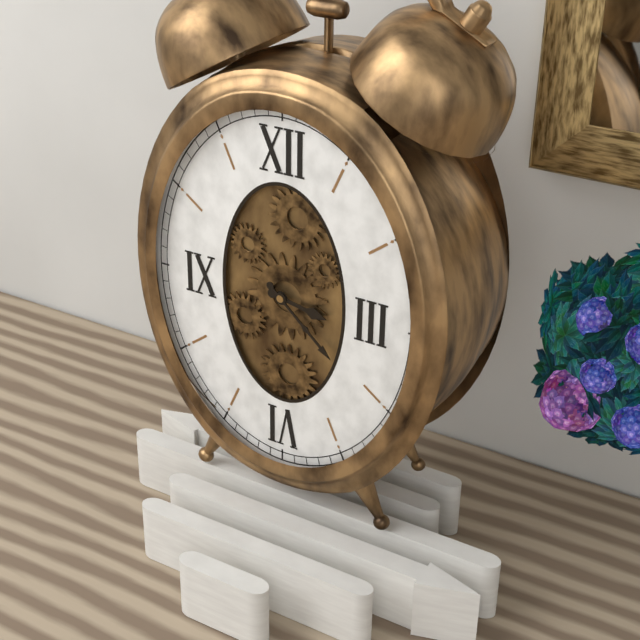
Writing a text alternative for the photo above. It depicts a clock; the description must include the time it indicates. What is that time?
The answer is 3:22
